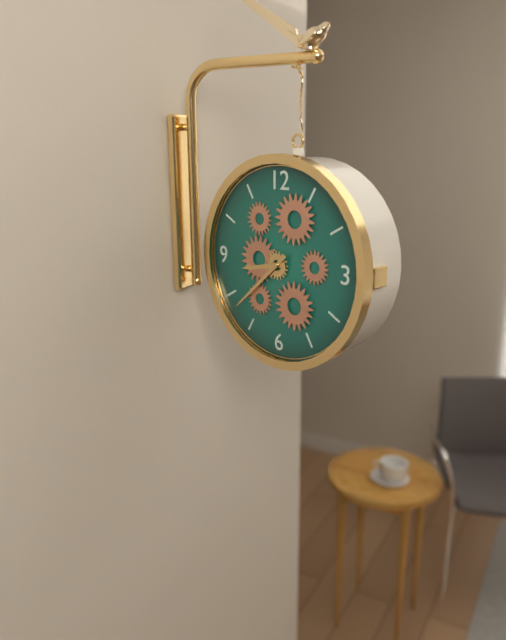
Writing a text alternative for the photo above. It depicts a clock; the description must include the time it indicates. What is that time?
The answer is 8:38
